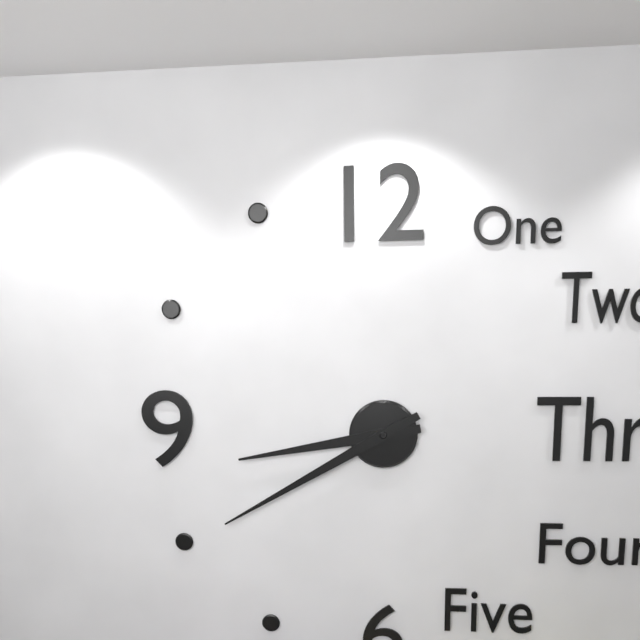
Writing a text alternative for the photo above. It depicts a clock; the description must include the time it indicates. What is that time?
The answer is 8:40
